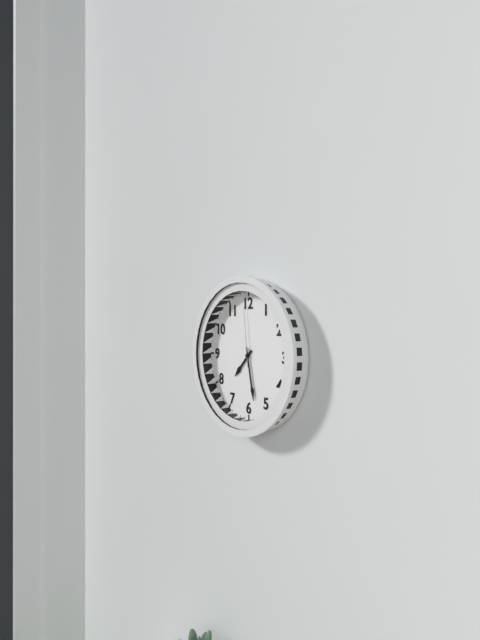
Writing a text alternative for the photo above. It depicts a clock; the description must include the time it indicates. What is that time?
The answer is 7:28:59
